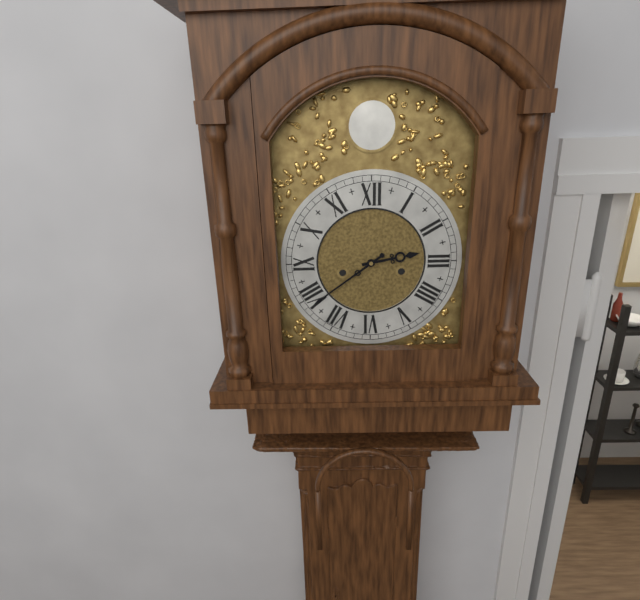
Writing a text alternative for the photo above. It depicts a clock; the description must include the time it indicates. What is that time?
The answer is 2:39
